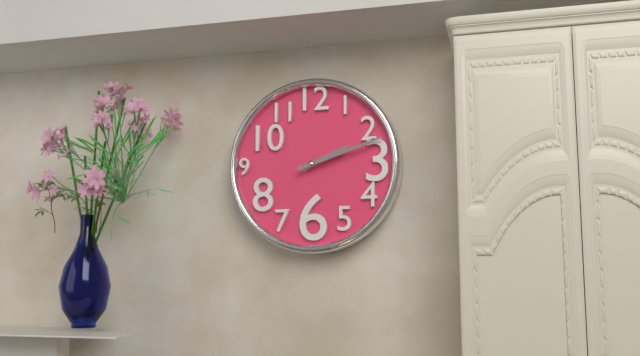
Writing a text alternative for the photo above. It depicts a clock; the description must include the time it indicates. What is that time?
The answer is 2:12
